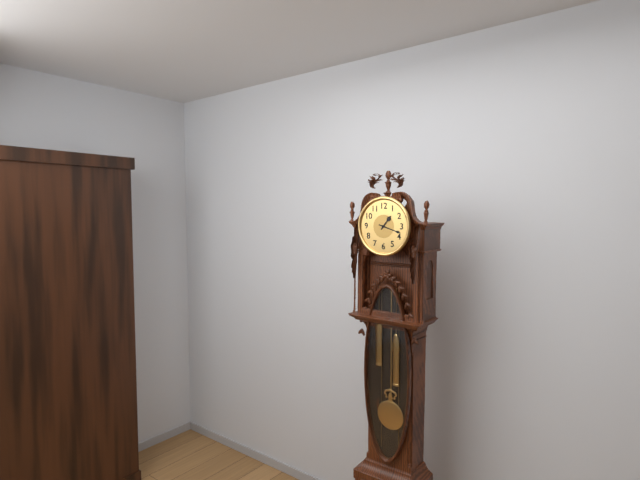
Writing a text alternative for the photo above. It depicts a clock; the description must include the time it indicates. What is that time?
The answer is 1:18
